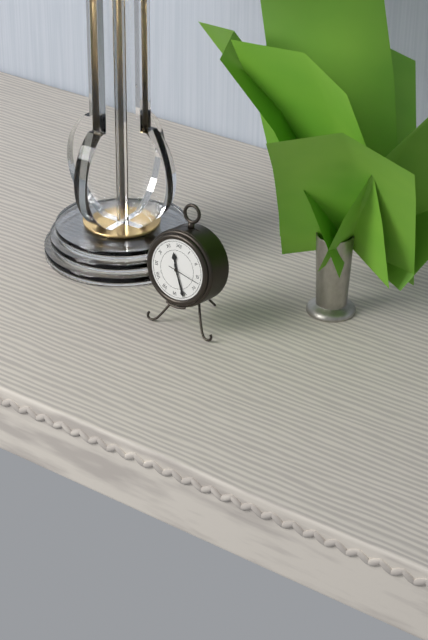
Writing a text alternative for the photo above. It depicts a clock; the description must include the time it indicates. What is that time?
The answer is 11:26
